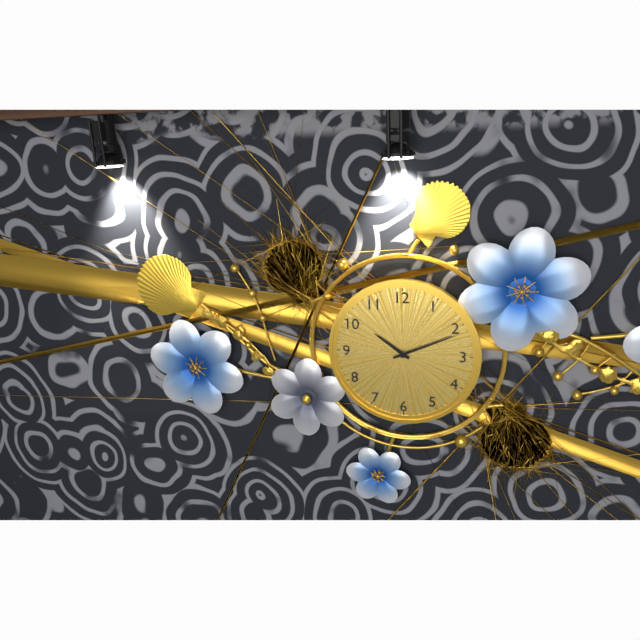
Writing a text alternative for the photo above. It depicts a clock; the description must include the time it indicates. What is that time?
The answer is 10:11
